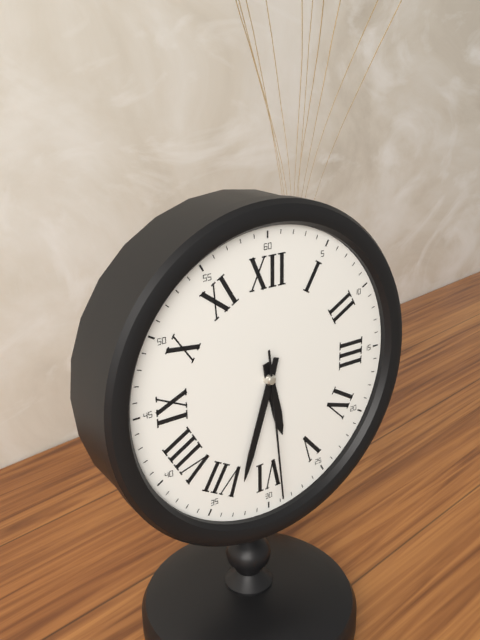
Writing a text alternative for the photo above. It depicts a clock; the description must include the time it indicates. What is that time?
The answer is 5:33:29
